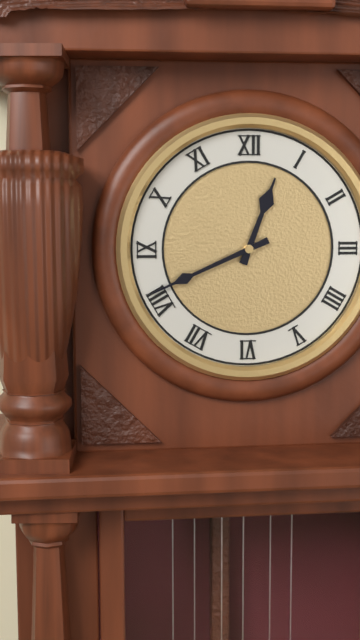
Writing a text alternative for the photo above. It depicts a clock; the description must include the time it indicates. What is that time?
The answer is 12:41
